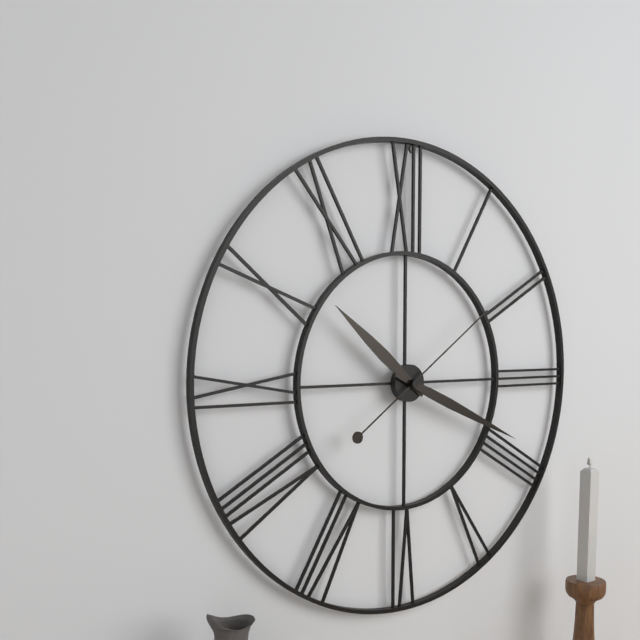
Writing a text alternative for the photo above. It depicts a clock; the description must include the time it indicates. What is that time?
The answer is 10:19:09
